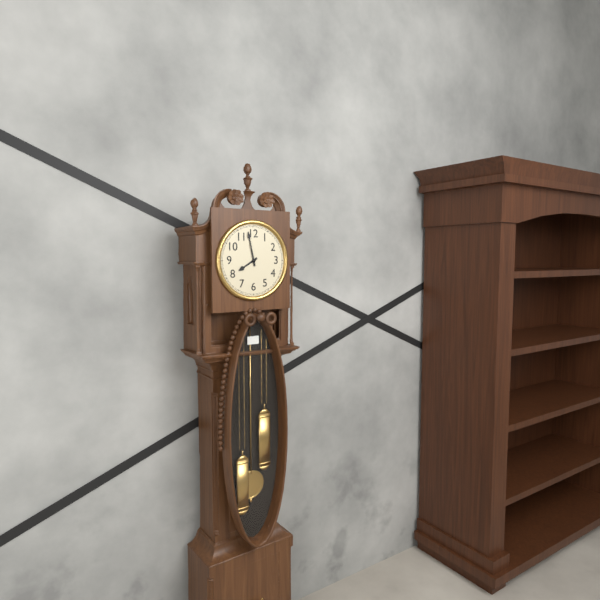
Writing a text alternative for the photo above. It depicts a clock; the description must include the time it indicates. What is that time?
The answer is 7:58
